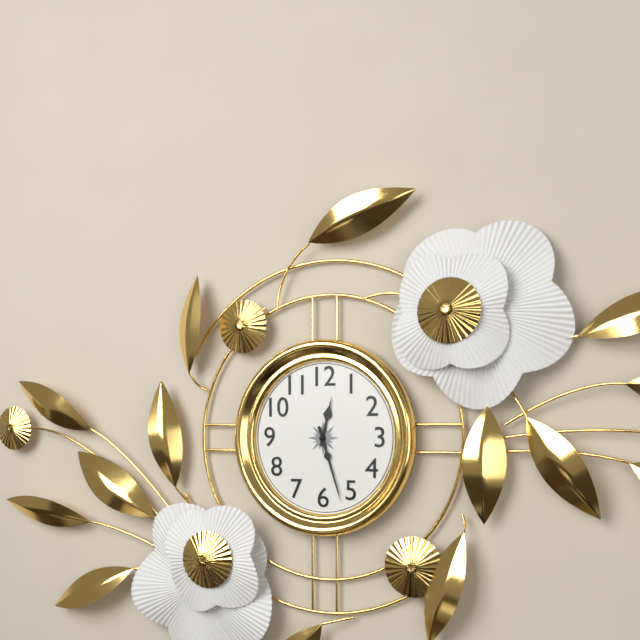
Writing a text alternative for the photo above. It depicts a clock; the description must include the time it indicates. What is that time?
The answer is 12:27
